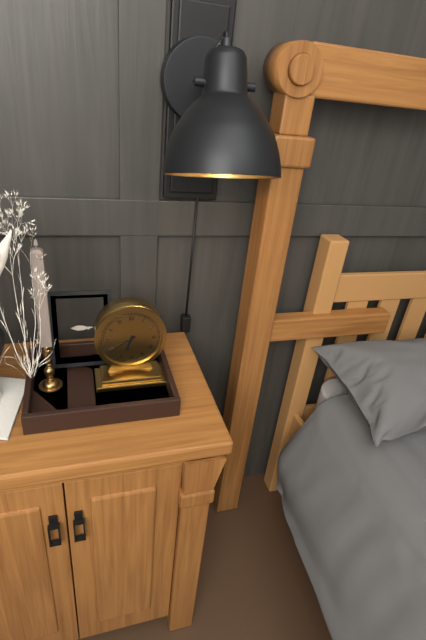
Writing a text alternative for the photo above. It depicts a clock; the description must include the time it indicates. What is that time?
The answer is 6:40
